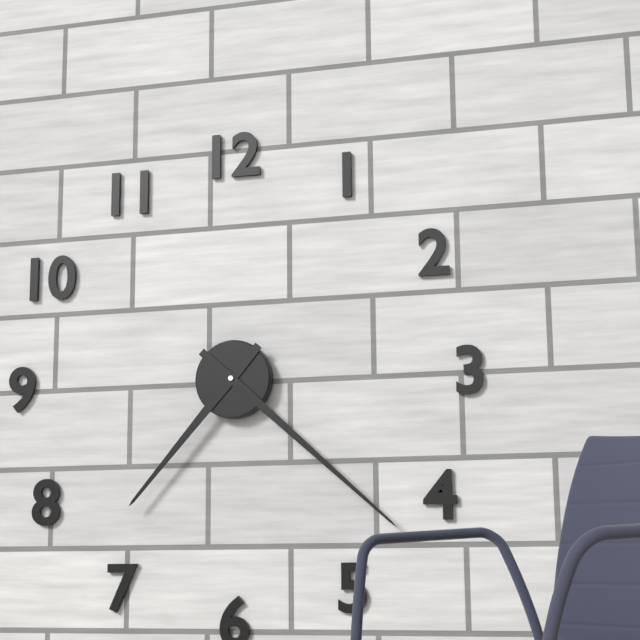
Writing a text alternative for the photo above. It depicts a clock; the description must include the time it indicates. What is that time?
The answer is 7:22
